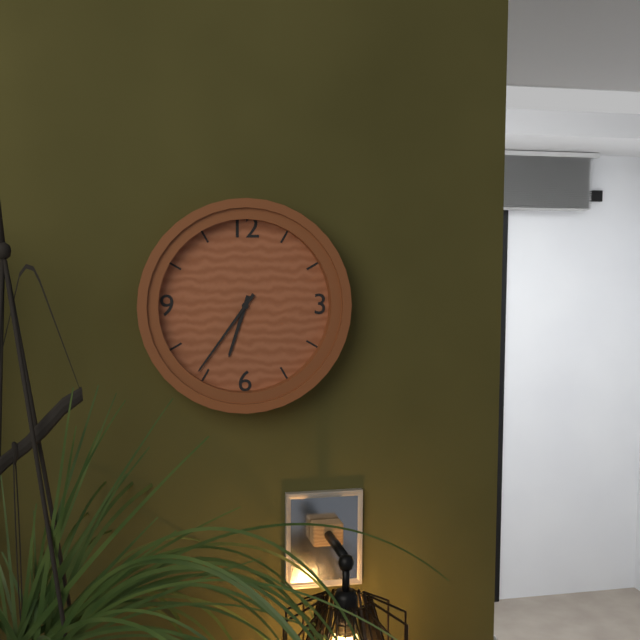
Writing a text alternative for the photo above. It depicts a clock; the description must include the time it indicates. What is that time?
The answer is 6:36
